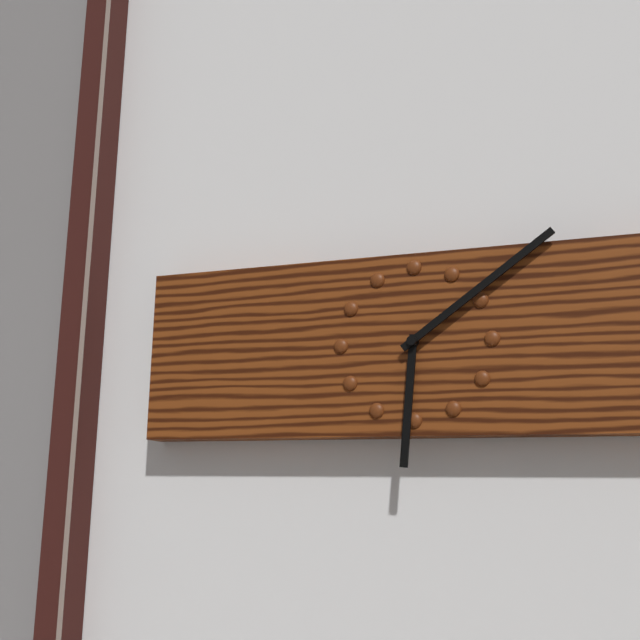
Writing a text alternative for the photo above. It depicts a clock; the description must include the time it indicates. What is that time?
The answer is 6:09
